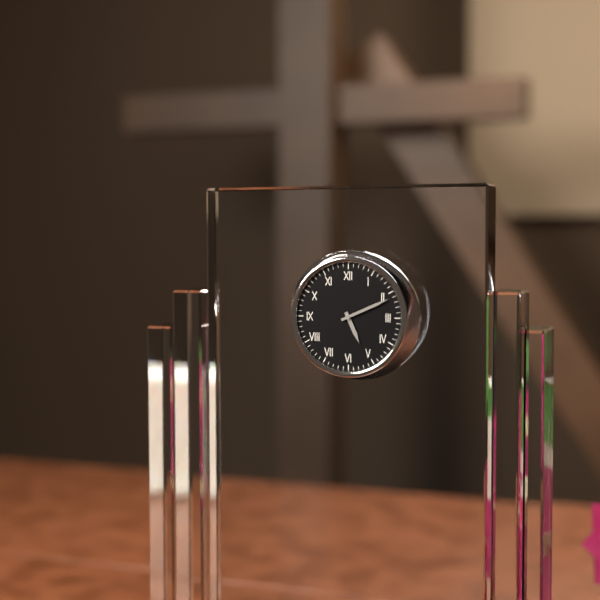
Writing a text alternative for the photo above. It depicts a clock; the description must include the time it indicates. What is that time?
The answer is 5:11
